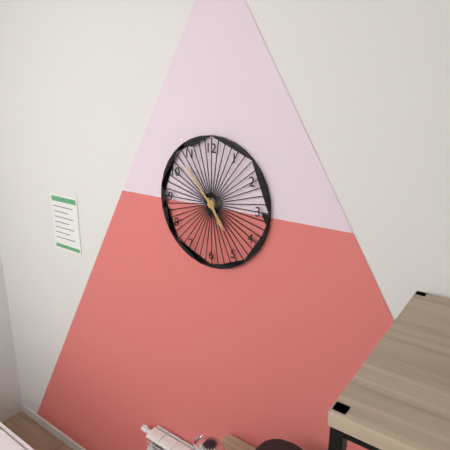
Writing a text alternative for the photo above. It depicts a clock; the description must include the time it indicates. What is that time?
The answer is 4:53
